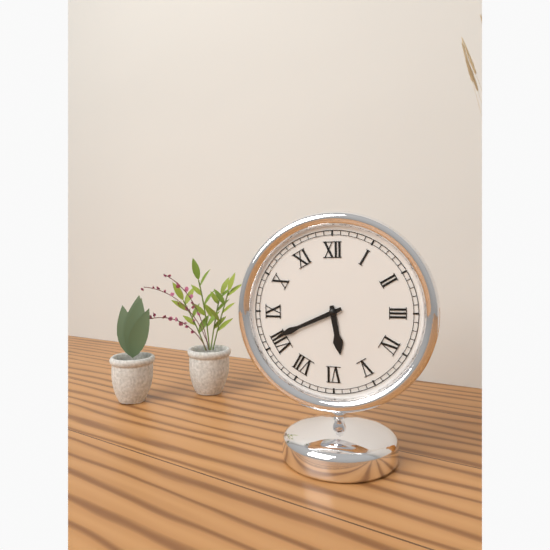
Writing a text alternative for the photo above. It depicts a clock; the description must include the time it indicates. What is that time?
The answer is 5:41
